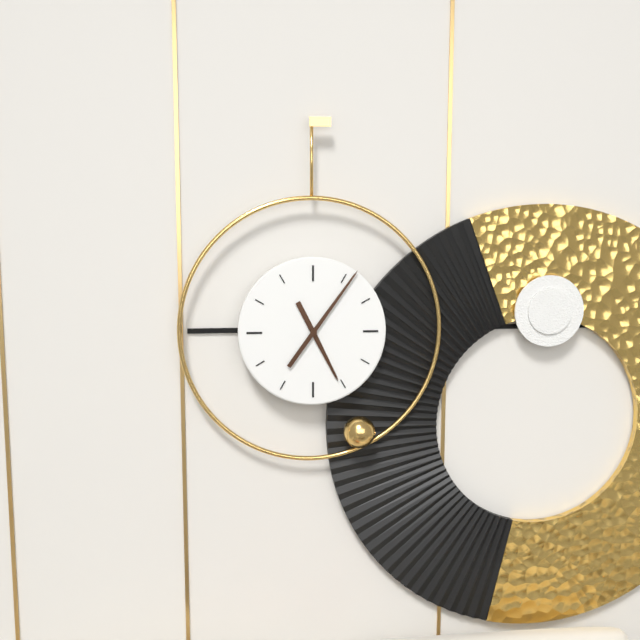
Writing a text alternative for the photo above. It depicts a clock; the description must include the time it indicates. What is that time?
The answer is 5:06
